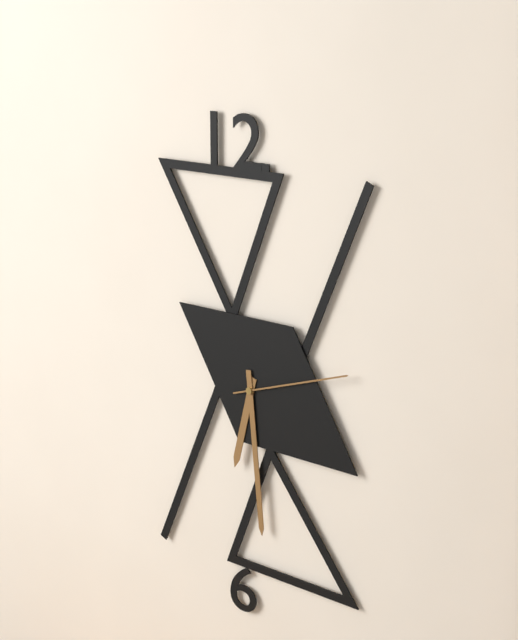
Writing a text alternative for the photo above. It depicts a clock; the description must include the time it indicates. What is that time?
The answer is 6:29:12
